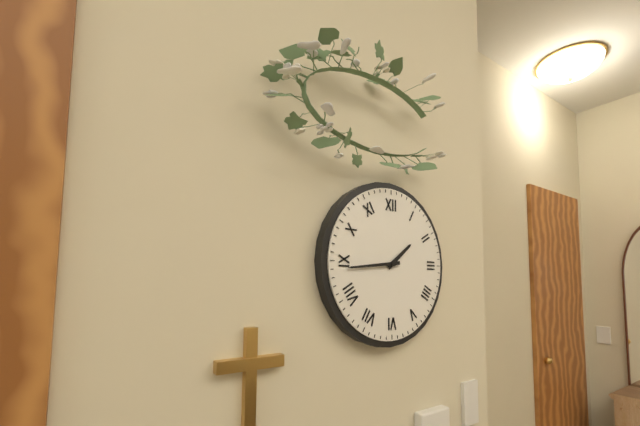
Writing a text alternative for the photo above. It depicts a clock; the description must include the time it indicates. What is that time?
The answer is 1:44
